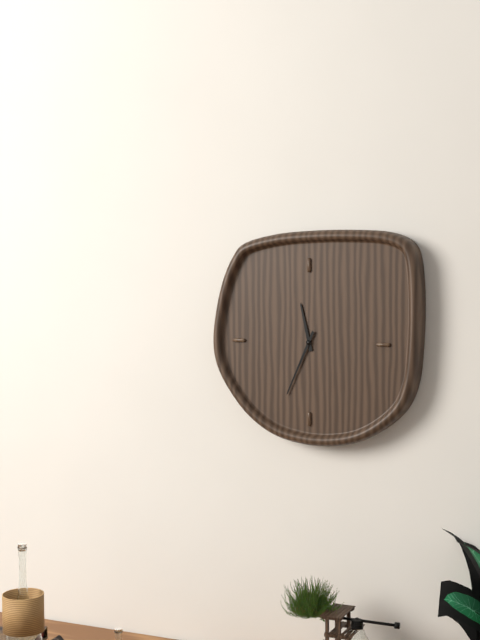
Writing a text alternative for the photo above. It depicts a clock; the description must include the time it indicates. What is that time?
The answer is 11:34
